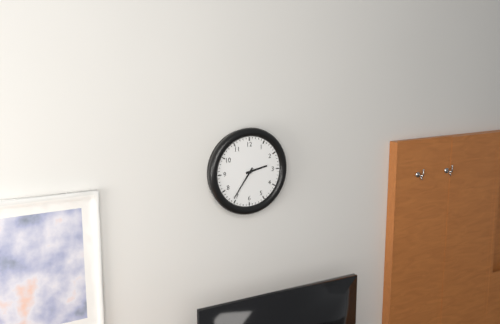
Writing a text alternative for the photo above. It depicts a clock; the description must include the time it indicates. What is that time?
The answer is 2:36
